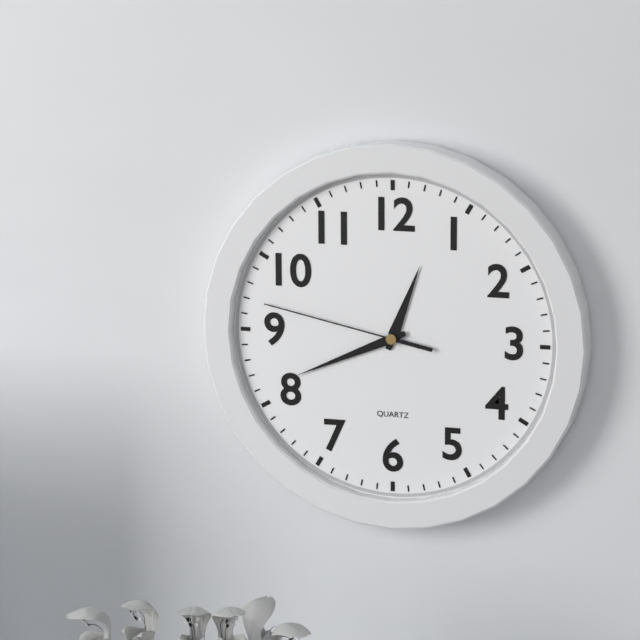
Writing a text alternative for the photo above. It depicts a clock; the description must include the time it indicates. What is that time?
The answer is 12:41:47
